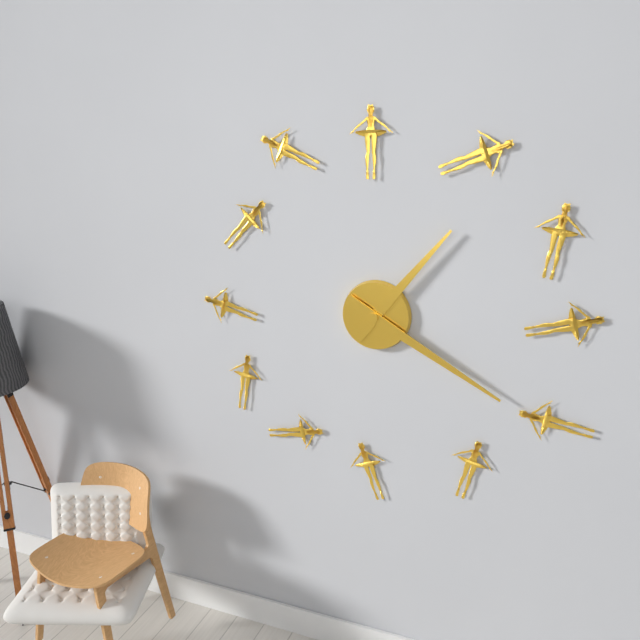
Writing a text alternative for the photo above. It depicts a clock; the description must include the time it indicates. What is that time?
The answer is 1:20
